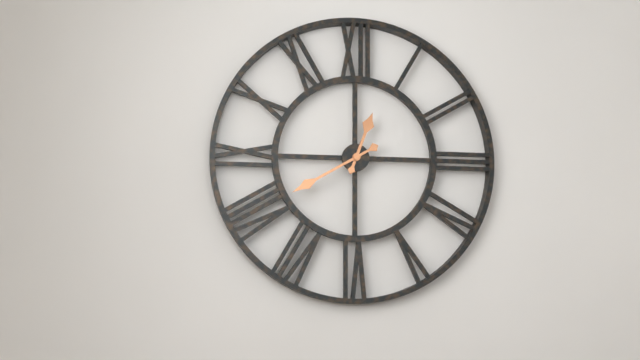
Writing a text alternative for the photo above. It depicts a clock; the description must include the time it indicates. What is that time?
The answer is 12:40
